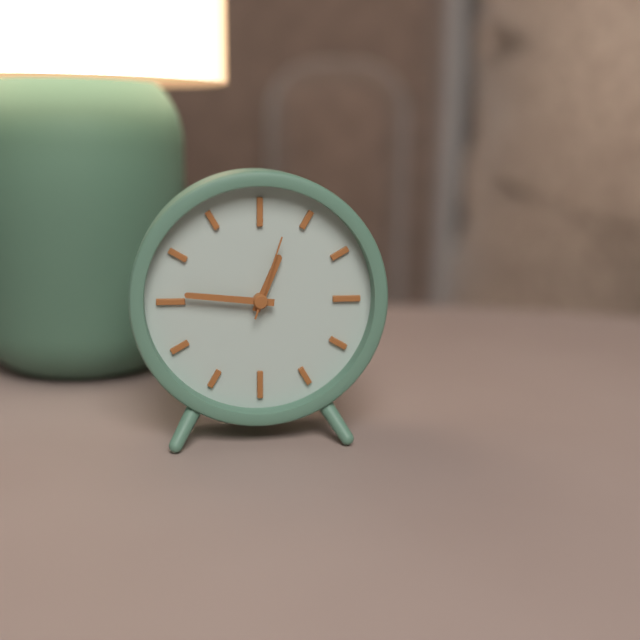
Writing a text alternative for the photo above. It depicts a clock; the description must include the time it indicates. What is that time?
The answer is 12:46:03
